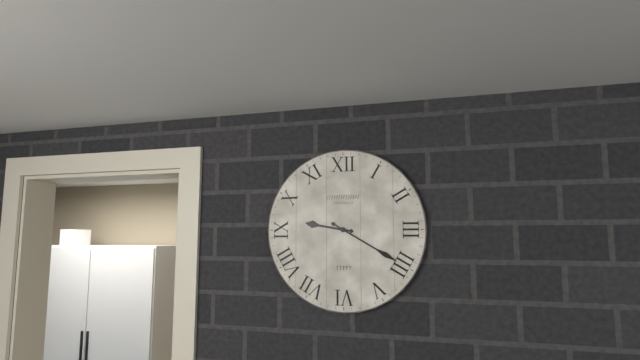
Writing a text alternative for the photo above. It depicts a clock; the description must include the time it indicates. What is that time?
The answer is 9:20
